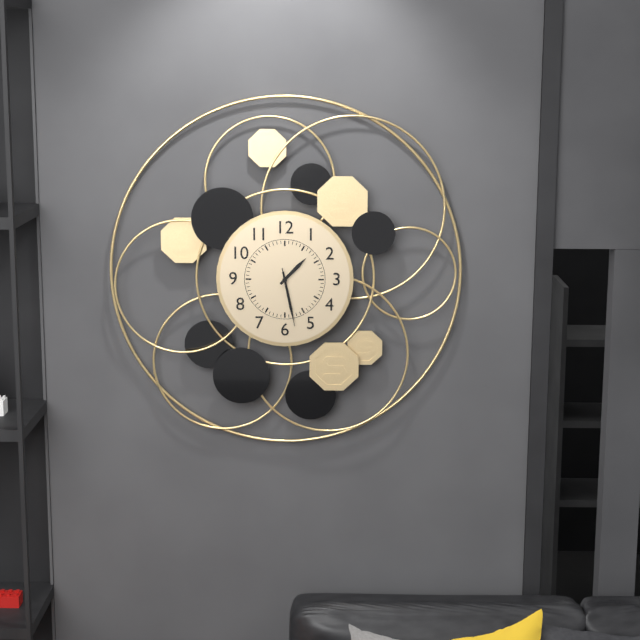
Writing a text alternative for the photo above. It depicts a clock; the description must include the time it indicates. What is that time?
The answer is 1:28:28
